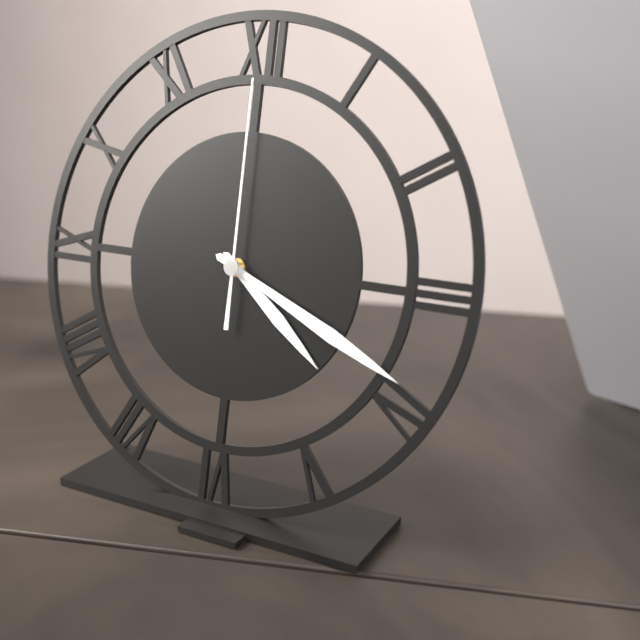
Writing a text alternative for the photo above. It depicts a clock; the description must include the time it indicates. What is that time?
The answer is 4:19:00
